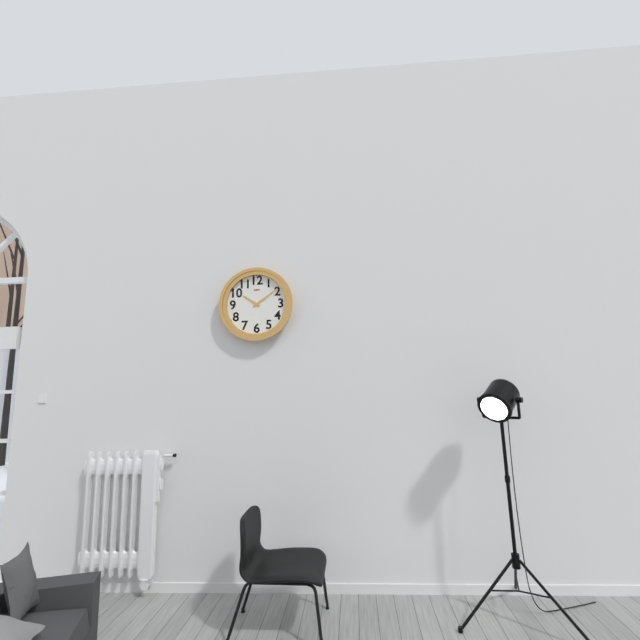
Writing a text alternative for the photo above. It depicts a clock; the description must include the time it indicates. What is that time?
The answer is 10:09
